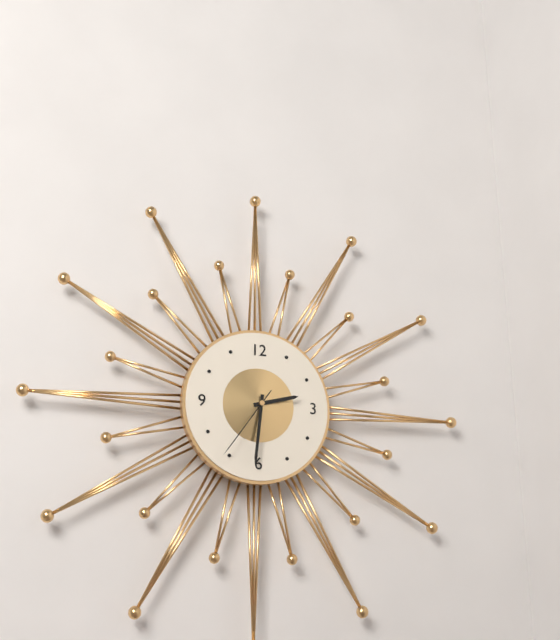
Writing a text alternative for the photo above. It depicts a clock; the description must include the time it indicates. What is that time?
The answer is 2:31:36
